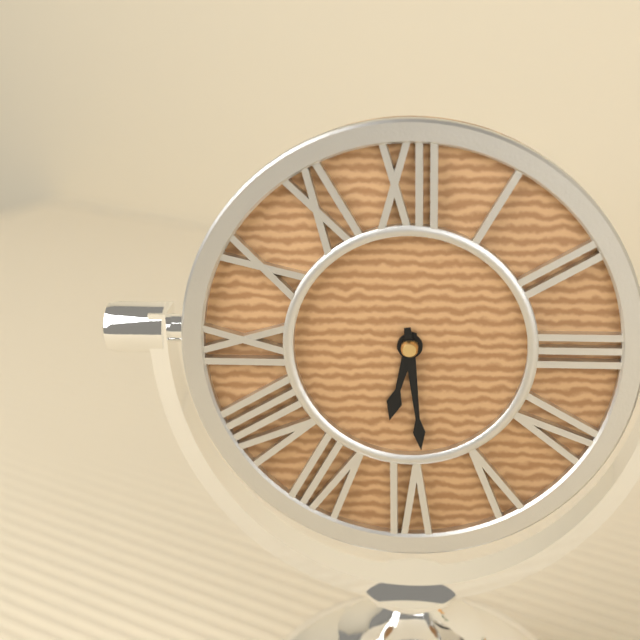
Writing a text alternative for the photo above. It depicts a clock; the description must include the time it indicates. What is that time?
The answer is 6:29
